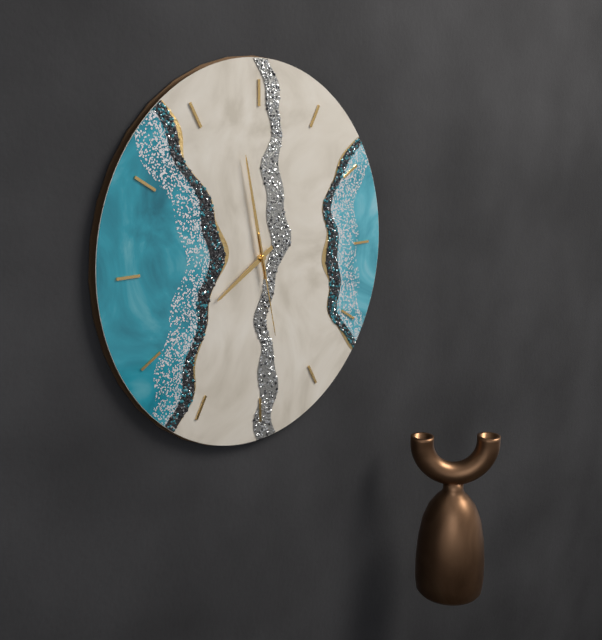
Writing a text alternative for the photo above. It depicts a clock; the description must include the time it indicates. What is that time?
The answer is 7:58:28
